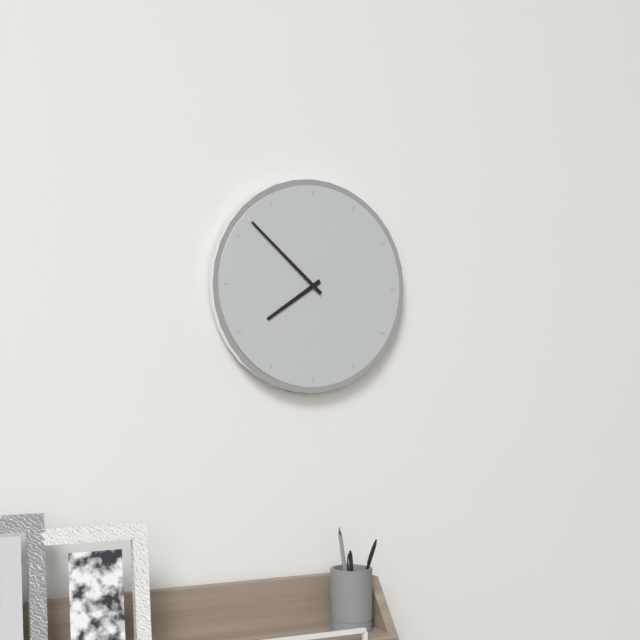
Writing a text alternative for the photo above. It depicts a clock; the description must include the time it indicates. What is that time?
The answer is 7:52
